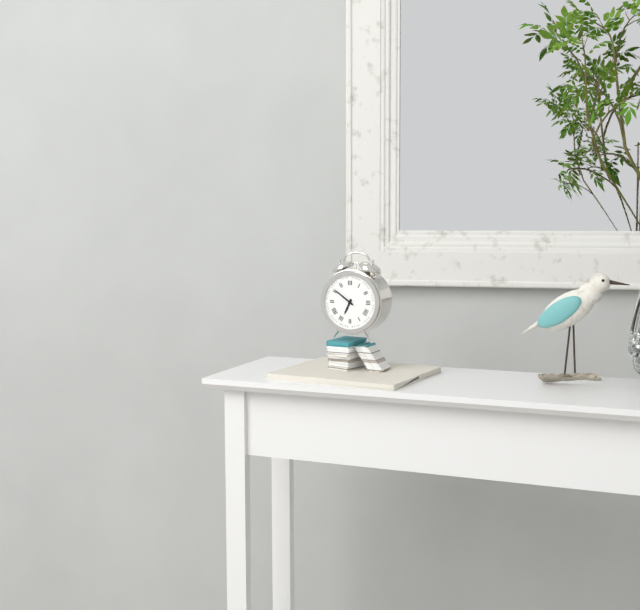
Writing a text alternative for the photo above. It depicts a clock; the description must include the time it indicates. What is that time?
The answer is 6:51
